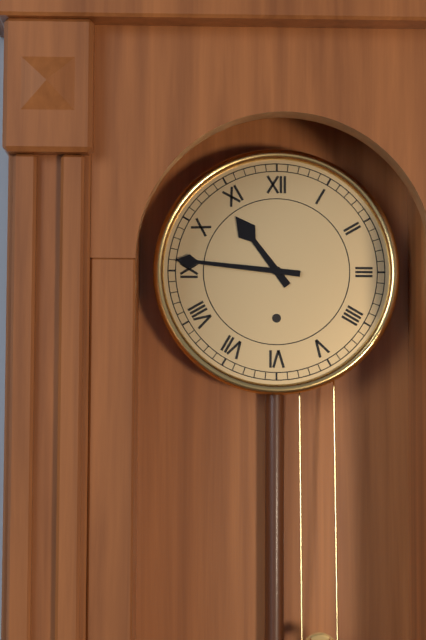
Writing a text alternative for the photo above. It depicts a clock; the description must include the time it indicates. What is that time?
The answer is 10:46
